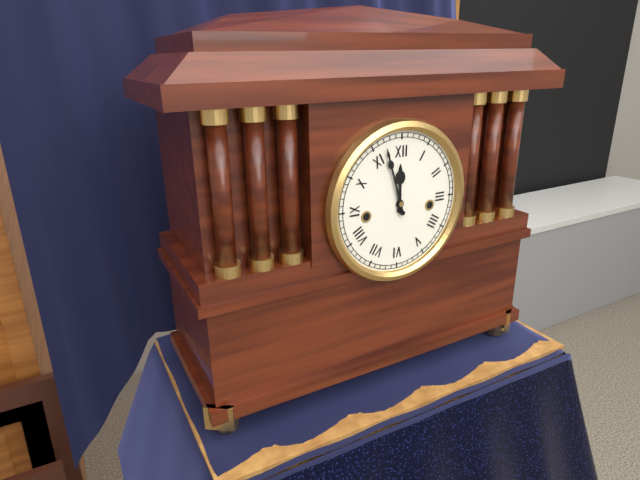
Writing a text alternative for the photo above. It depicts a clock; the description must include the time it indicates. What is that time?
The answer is 11:57
